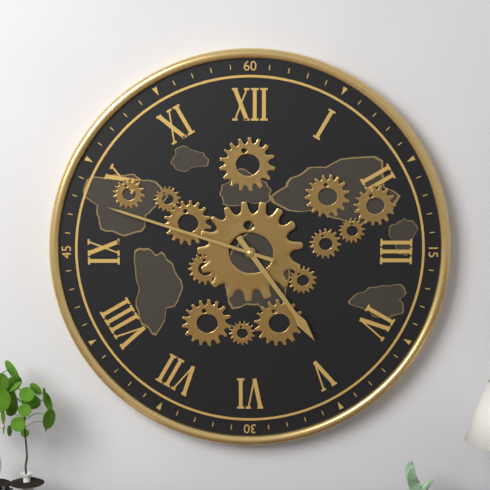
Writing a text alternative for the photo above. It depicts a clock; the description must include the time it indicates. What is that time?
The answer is 4:48
